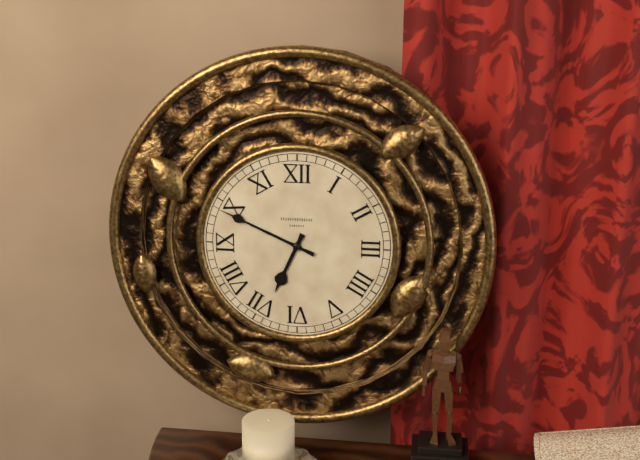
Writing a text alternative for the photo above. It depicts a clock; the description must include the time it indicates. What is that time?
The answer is 6:49
